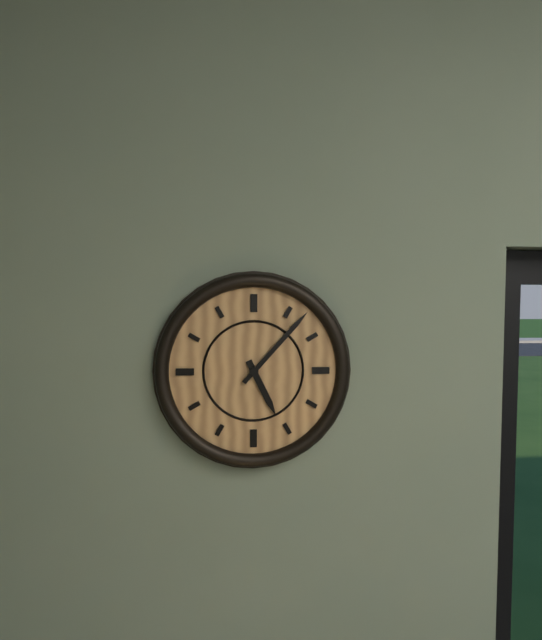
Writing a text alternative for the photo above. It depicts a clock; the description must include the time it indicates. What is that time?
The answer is 5:07
